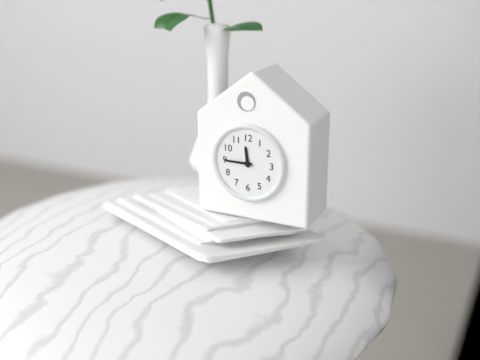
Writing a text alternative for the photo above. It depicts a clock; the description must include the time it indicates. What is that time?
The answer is 11:45
